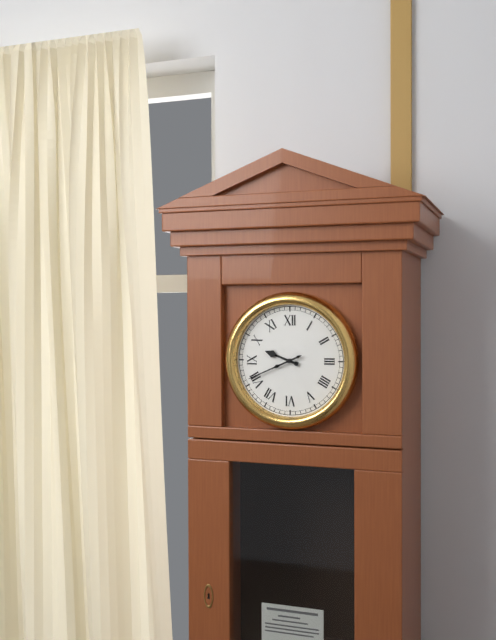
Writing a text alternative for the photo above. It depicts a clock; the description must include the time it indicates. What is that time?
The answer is 9:41
